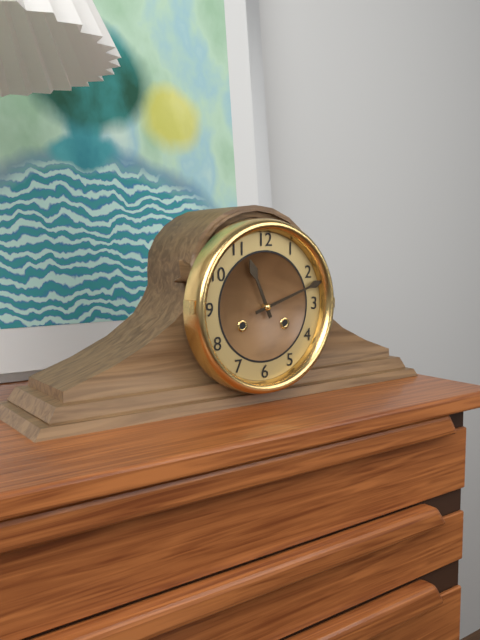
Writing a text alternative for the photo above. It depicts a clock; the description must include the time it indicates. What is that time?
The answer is 11:12
